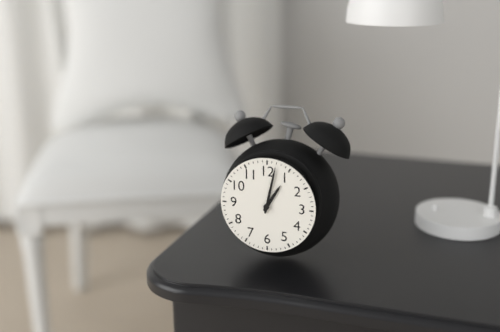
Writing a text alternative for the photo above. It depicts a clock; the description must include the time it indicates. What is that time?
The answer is 1:02
